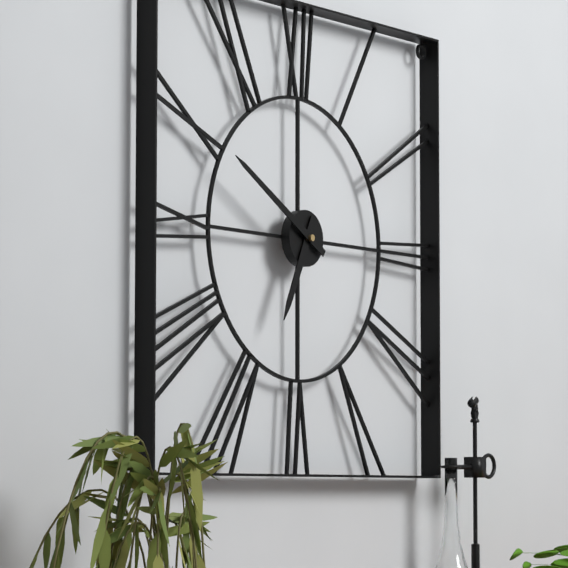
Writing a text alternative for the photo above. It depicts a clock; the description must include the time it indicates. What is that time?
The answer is 6:50
